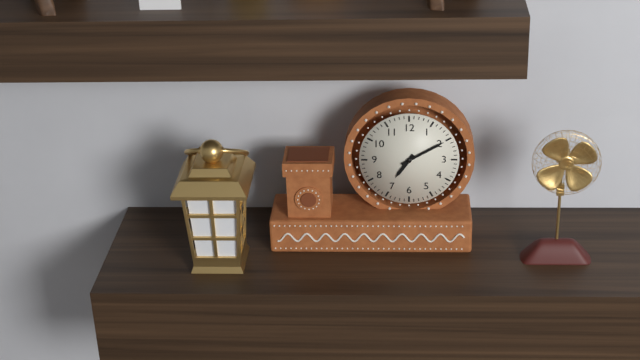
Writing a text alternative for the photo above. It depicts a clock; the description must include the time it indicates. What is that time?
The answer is 7:10
